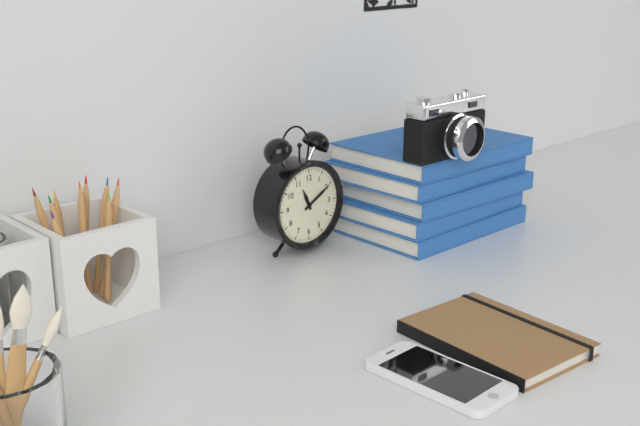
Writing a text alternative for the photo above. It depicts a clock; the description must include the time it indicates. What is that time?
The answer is 11:10
